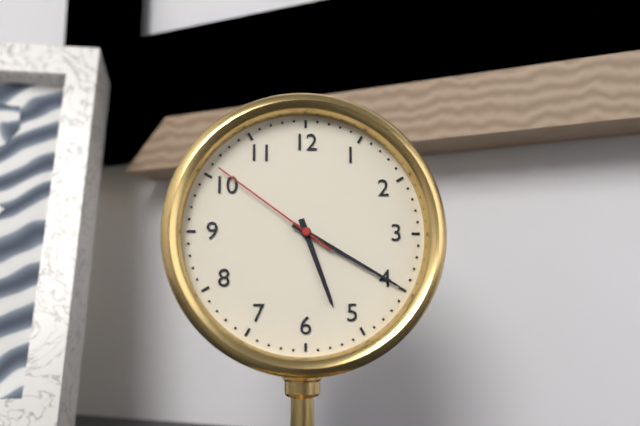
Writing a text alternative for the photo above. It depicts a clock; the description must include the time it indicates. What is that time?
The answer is 5:20:51
